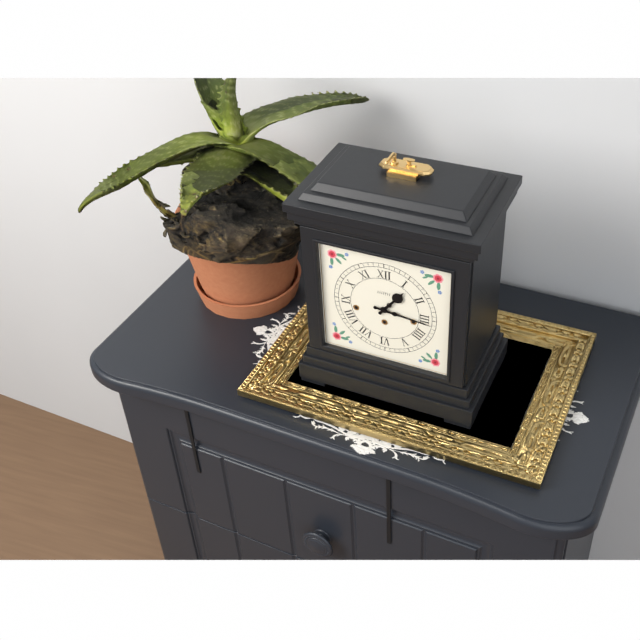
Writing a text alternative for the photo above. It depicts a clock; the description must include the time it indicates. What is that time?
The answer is 1:16
